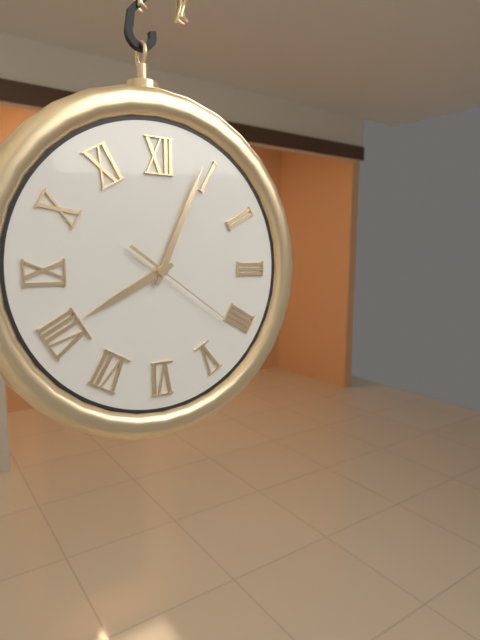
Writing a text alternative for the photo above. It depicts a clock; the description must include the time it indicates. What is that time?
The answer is 8:04:21
